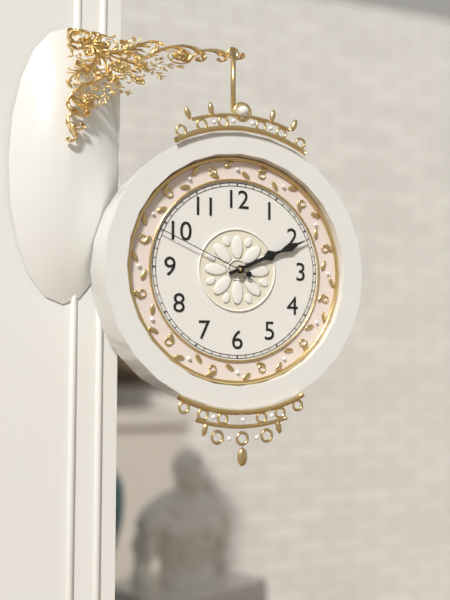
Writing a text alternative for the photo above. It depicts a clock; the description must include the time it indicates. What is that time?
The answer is 2:11:49
